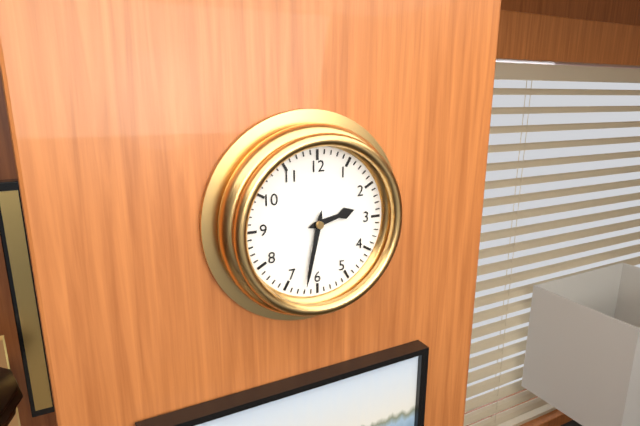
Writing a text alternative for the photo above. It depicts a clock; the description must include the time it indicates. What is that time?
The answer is 2:32
